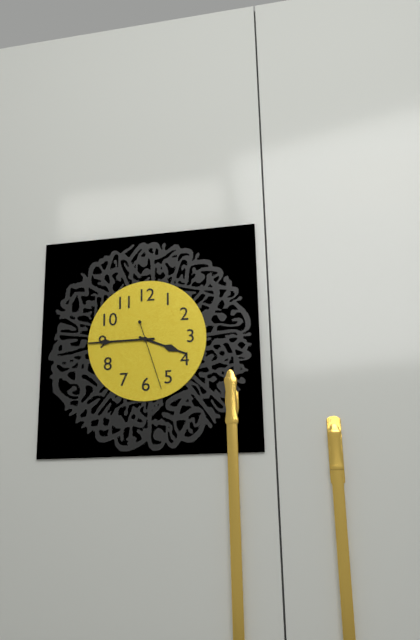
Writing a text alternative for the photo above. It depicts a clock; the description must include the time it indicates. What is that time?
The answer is 3:45:27
